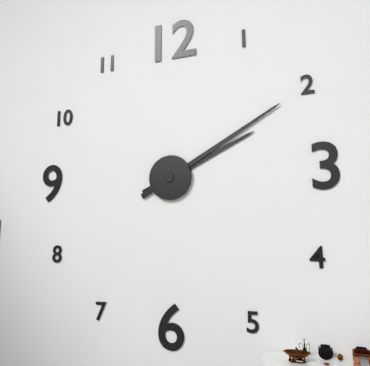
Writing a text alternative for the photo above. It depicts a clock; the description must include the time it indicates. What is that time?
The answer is 2:10
